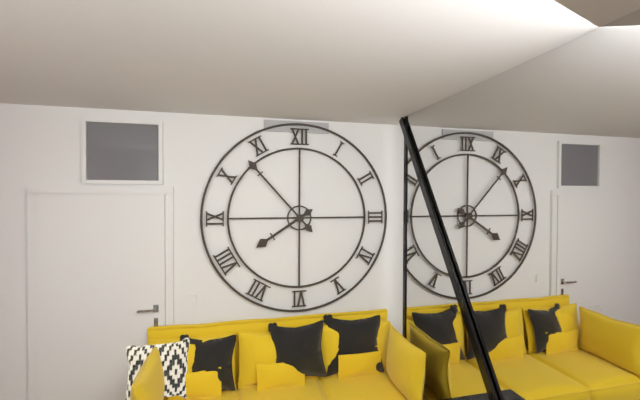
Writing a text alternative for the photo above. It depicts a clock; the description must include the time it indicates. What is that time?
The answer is 7:53
